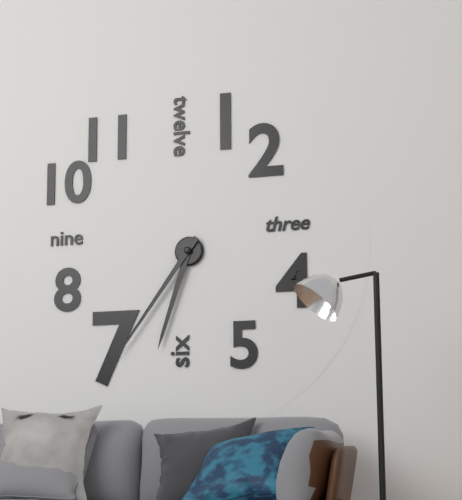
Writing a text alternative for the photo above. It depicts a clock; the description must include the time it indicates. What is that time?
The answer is 6:36
